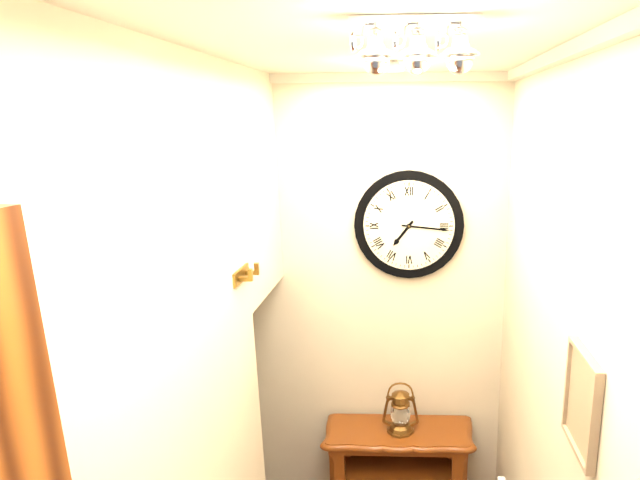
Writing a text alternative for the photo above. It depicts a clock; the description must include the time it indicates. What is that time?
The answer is 7:16
